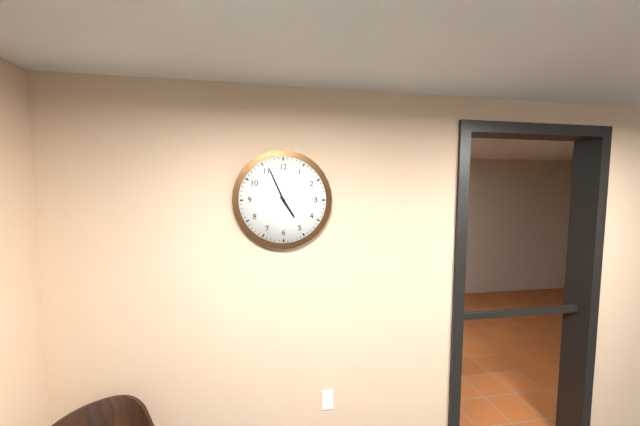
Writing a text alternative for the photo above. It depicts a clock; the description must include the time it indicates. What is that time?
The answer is 4:56
